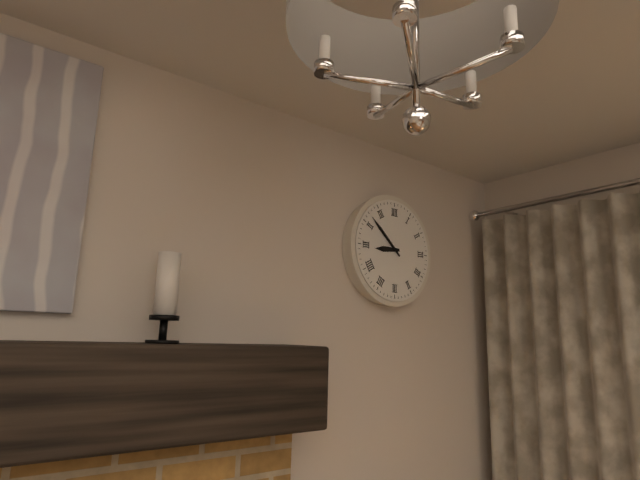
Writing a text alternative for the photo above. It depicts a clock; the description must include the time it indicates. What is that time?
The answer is 8:52
